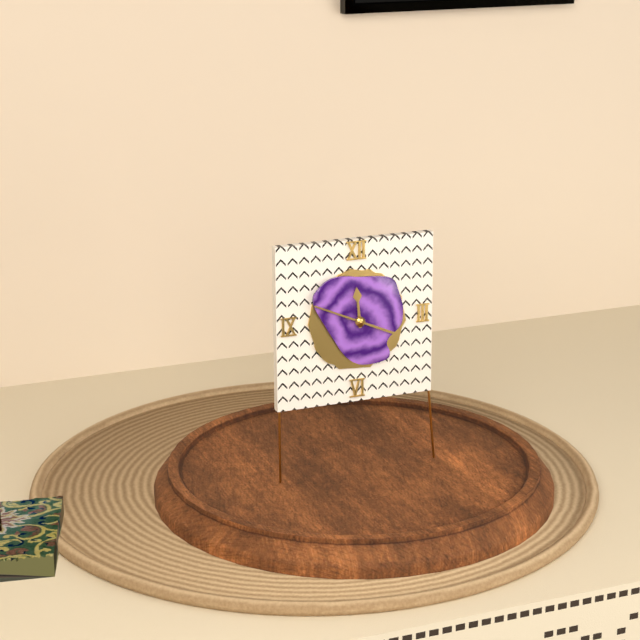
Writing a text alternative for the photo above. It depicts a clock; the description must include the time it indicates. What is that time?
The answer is 11:49
